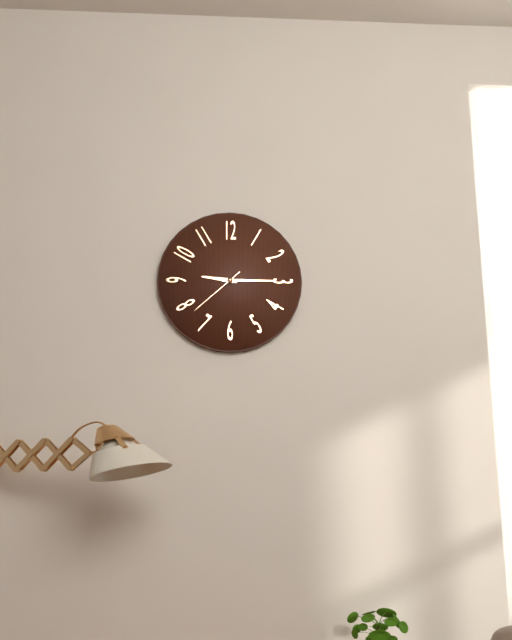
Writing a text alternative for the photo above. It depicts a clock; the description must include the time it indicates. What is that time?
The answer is 9:15:38
